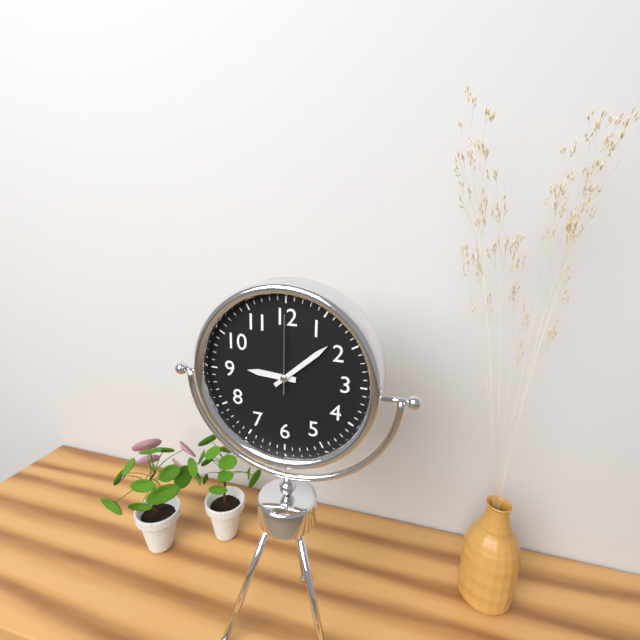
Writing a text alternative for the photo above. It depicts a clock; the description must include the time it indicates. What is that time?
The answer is 9:08:00
